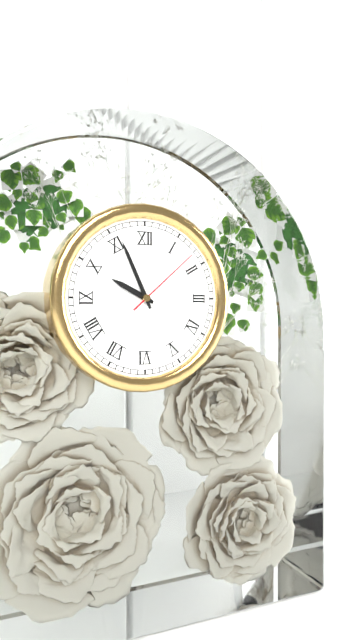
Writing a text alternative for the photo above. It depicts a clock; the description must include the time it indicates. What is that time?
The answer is 9:56:08
